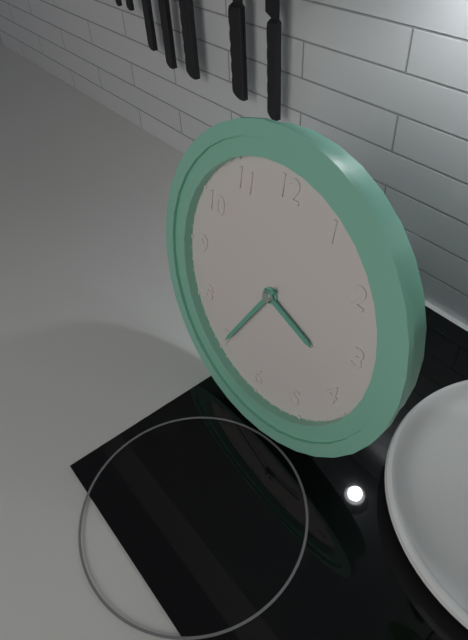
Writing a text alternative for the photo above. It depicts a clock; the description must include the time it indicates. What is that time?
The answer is 3:35
